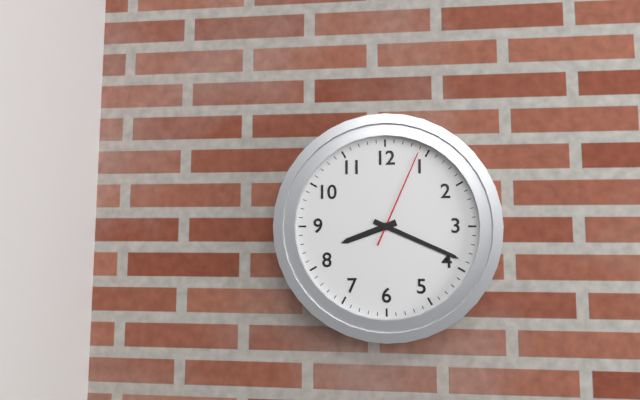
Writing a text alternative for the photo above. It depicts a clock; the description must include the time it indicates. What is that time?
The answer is 8:19:04
